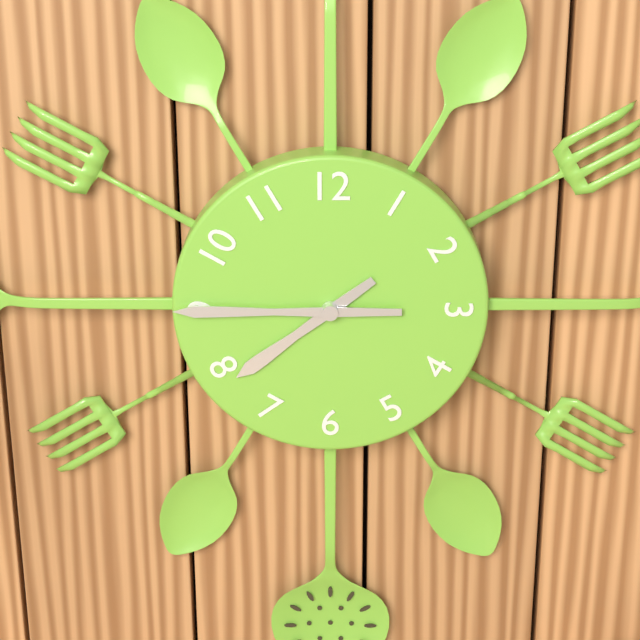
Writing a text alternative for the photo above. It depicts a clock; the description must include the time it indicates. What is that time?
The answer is 7:45
